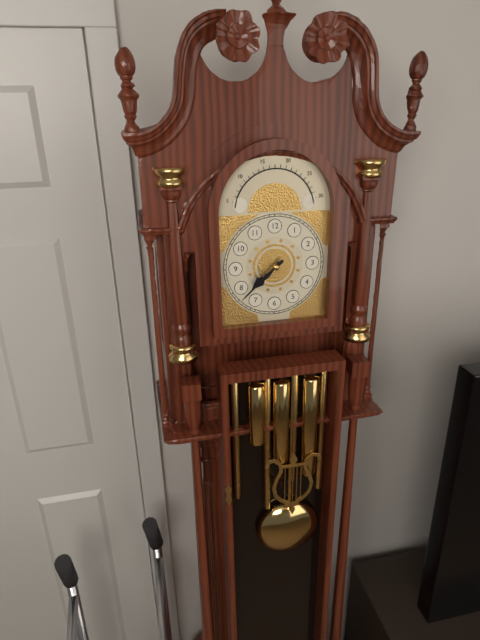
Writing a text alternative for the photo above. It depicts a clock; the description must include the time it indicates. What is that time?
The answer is 7:38
